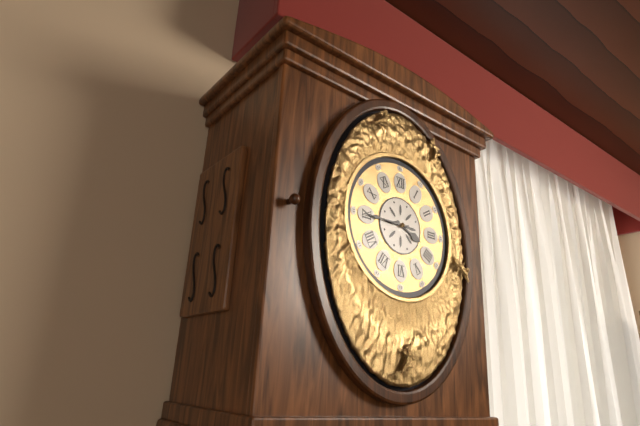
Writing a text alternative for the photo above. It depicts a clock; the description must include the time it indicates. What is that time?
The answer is 3:45
